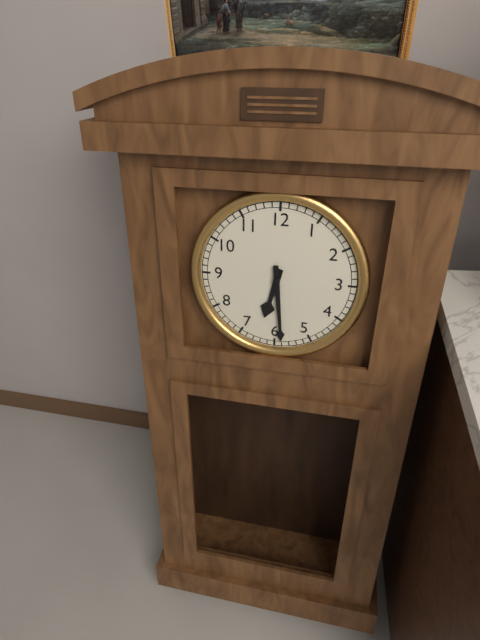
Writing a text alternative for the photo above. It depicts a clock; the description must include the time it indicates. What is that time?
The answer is 6:29
